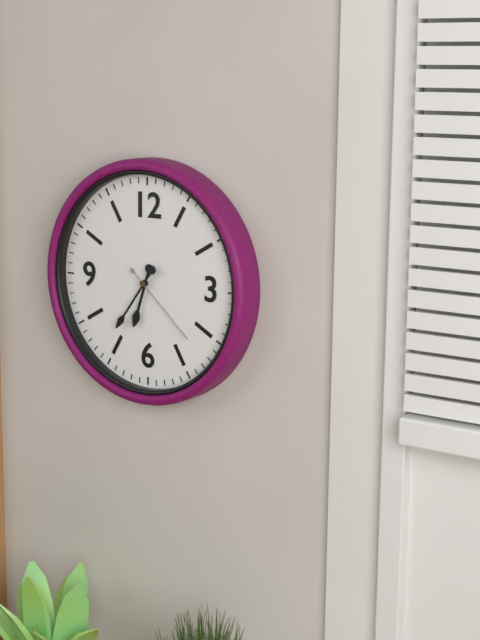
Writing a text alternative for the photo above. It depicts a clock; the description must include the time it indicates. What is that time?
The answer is 6:36:22
